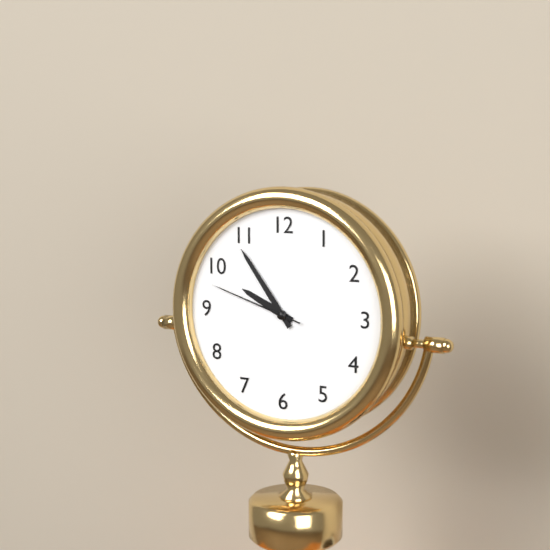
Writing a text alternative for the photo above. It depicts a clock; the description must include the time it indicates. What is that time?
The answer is 9:54:48
